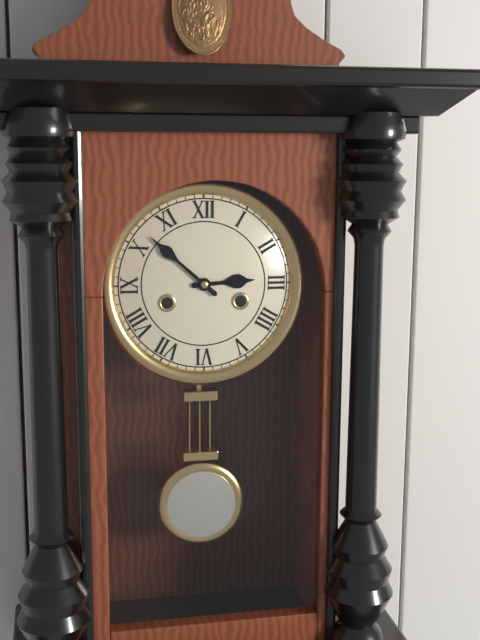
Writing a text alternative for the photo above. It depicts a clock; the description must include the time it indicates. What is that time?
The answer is 2:52
